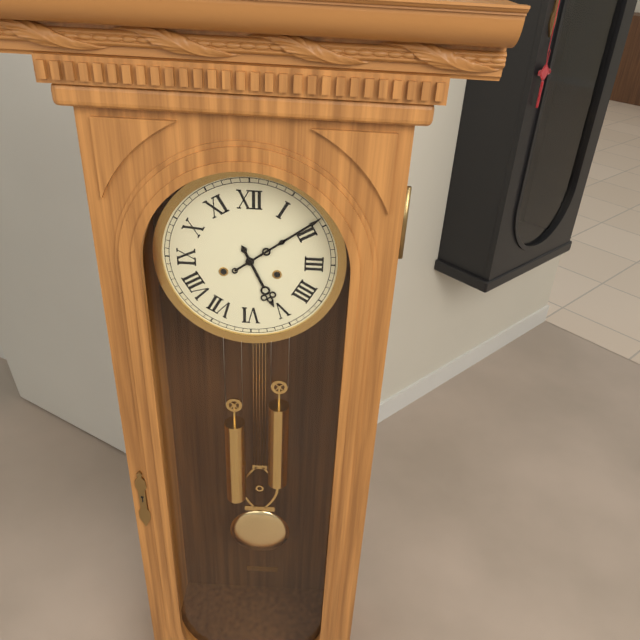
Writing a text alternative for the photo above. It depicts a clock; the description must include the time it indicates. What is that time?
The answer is 5:09
